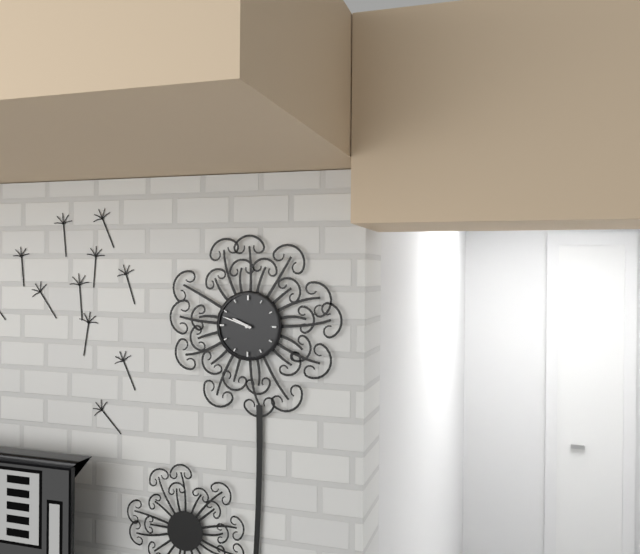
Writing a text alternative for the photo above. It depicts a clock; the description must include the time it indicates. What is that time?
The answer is 9:48
